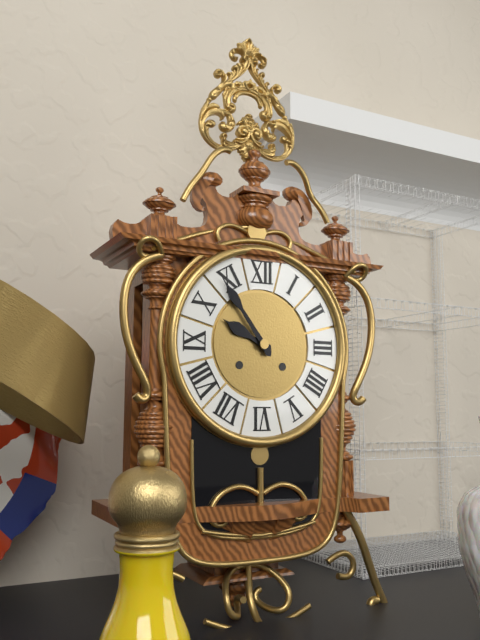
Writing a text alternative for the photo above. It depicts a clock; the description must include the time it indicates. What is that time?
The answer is 9:54
